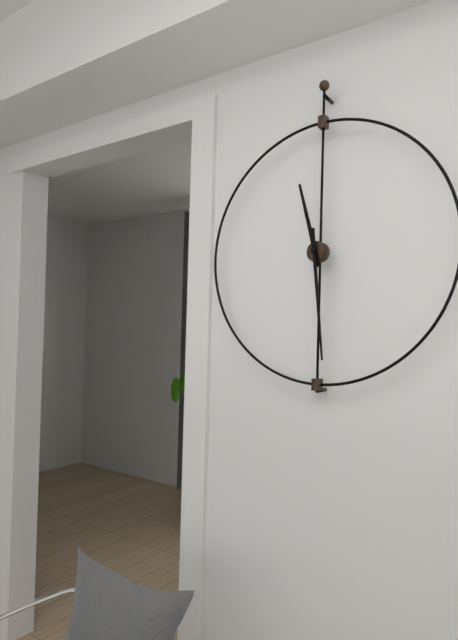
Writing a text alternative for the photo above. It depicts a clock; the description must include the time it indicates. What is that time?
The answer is 11:29
